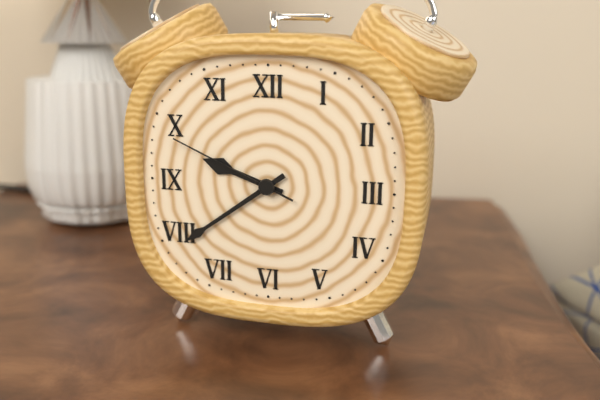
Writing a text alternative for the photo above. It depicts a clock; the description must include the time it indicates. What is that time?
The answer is 9:39:49
